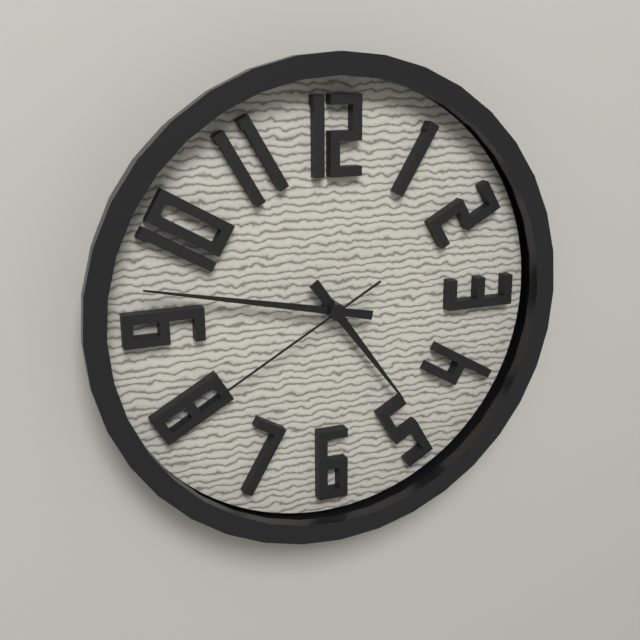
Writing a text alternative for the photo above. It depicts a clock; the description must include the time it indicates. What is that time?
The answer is 4:47:40
